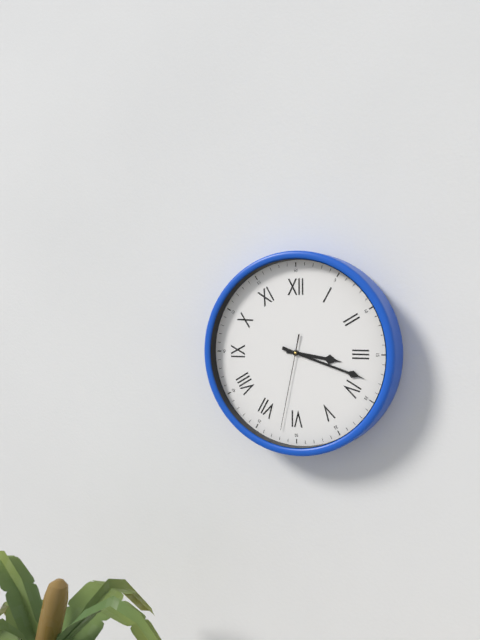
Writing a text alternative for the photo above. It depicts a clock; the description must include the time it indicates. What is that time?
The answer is 3:18:32
